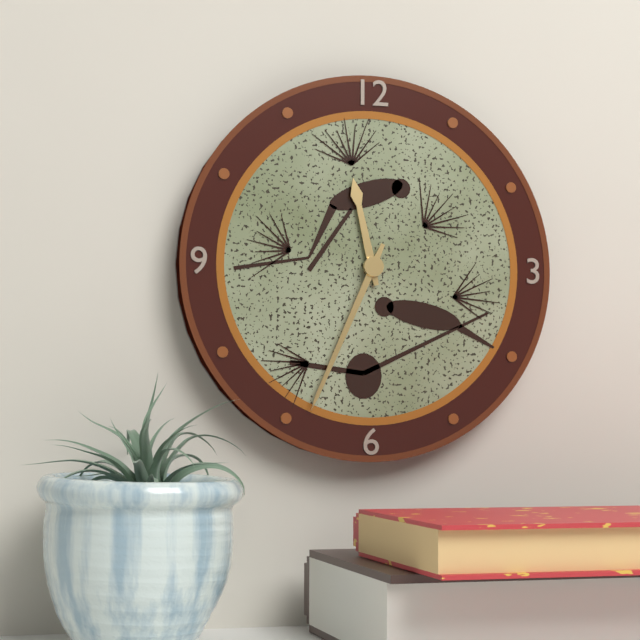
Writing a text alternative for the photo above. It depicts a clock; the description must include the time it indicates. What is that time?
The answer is 11:34
